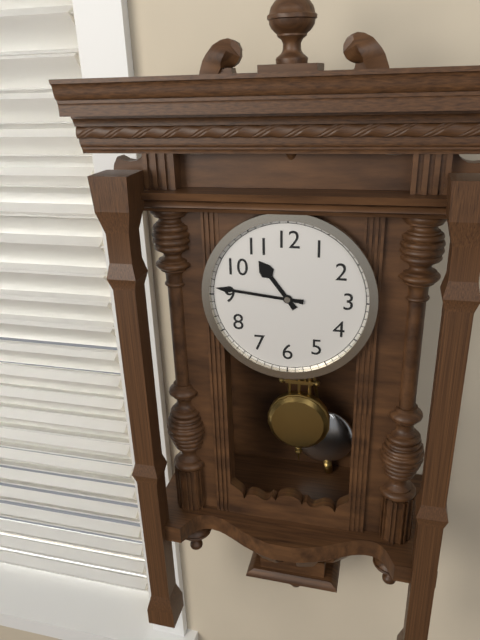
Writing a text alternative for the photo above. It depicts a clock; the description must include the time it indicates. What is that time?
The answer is 10:46
